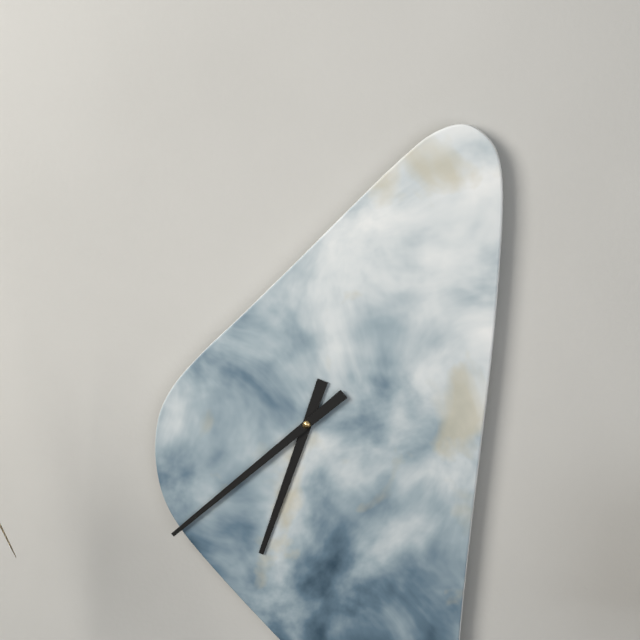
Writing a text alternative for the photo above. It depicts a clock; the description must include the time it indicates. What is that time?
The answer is 6:38
